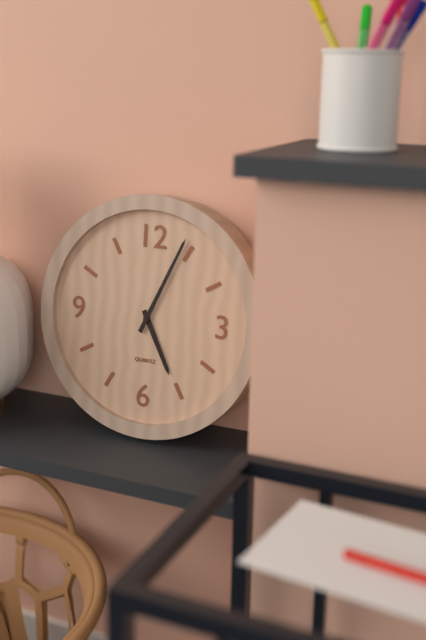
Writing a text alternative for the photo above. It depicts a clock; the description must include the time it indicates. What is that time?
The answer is 5:04
